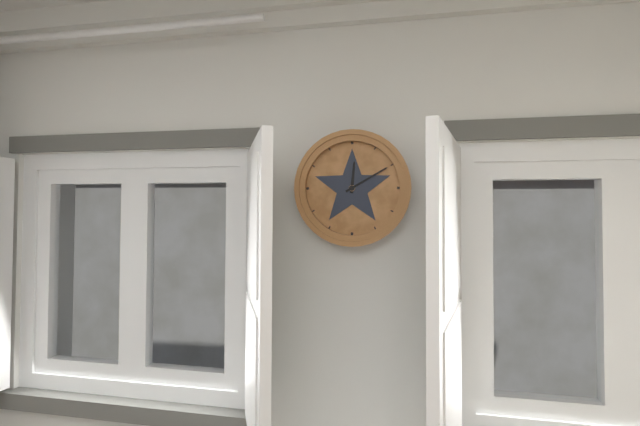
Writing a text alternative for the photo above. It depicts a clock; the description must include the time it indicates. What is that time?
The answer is 12:10
